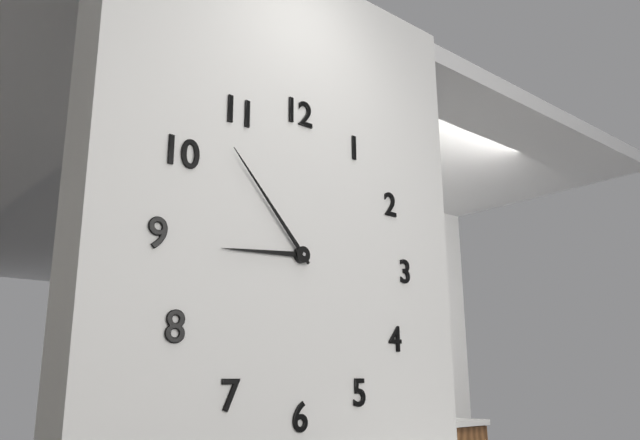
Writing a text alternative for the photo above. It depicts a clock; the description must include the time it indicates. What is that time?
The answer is 8:53
